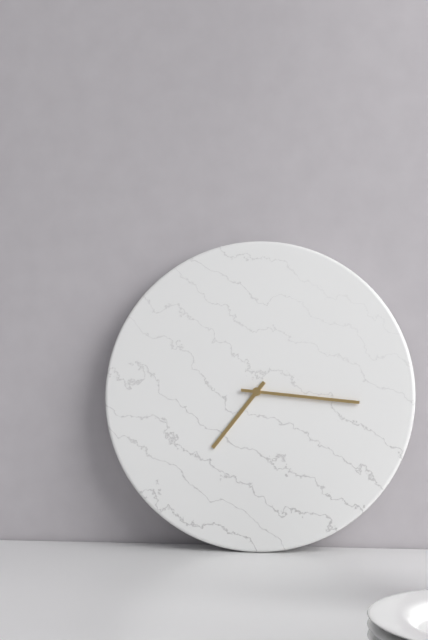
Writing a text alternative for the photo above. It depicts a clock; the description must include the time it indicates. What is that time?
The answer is 7:16
